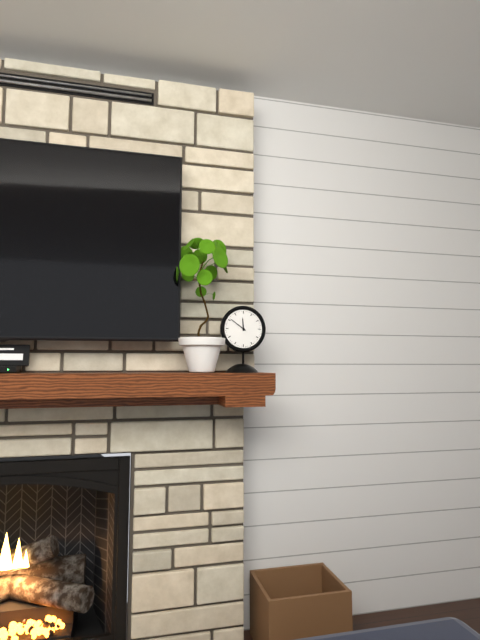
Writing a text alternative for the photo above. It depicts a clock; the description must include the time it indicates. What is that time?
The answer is 11:51
